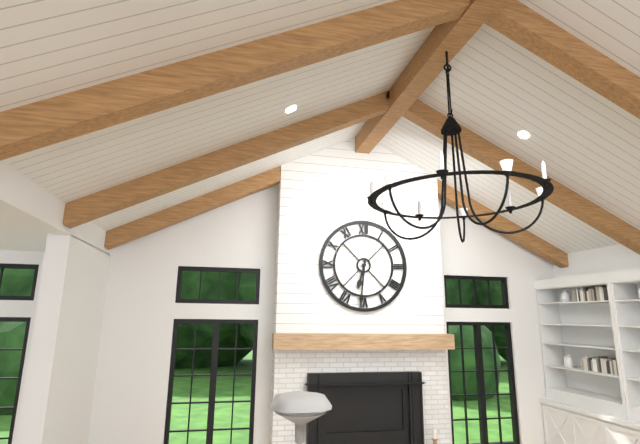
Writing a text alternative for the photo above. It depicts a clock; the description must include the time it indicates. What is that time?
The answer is 6:31
